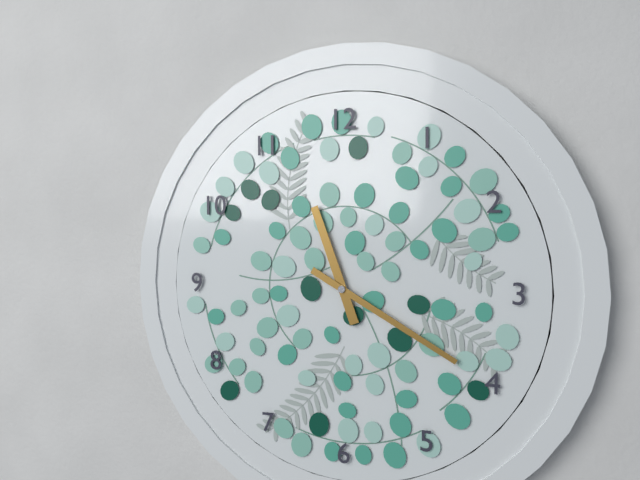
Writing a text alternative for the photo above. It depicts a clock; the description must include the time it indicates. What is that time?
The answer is 11:20
